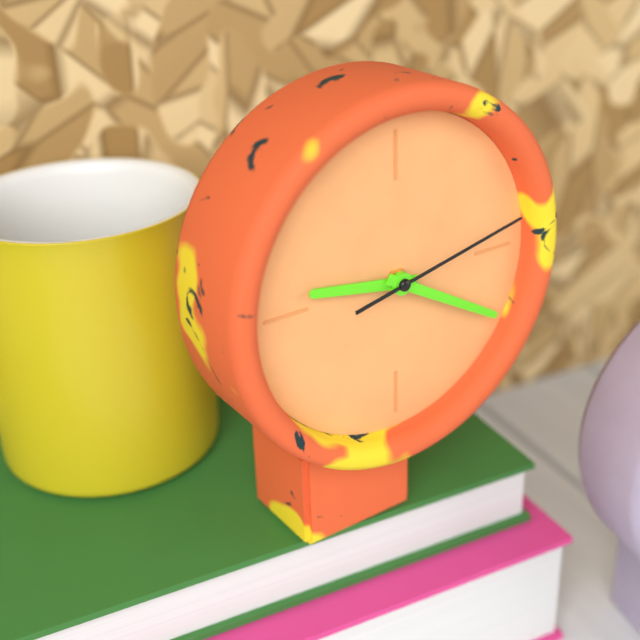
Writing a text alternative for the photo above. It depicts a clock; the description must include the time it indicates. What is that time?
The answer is 9:20:13
